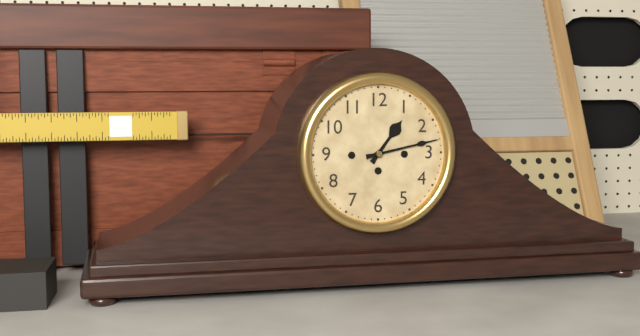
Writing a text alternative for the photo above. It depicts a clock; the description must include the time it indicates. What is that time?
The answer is 1:13
